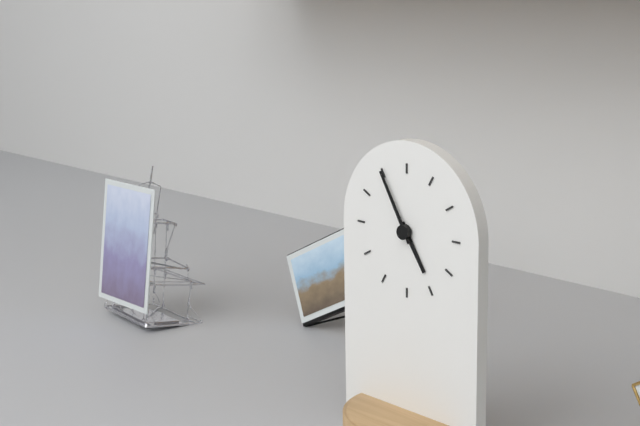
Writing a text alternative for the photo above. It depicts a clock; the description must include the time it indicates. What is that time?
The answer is 4:55
